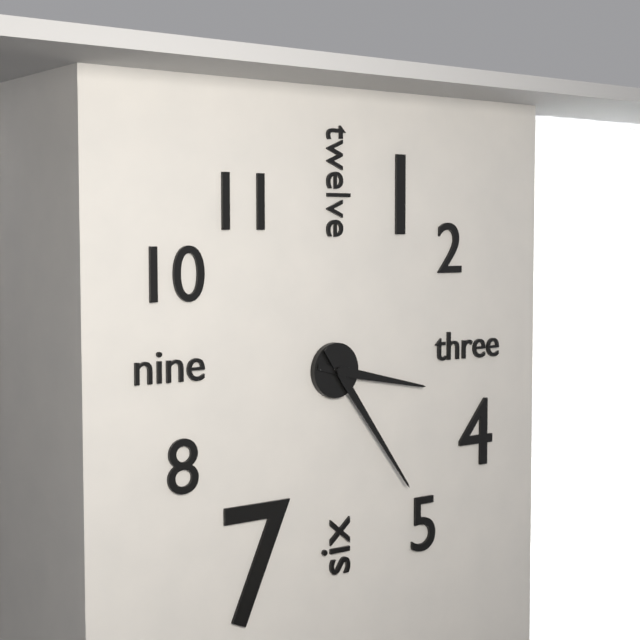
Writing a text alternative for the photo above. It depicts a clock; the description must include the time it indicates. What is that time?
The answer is 3:24
